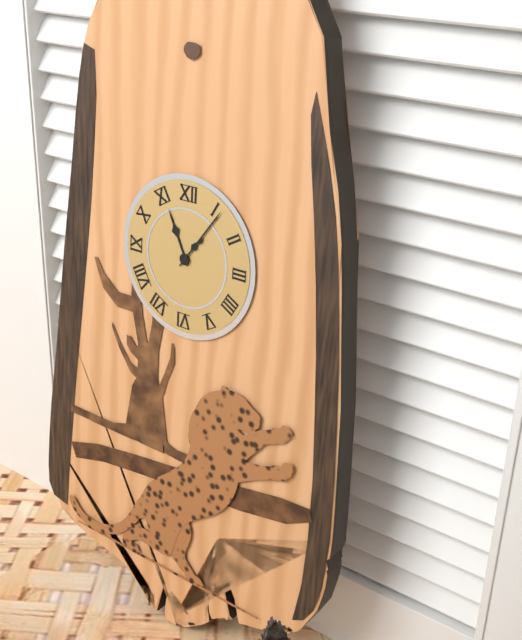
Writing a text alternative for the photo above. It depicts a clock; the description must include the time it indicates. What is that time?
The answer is 11:06
